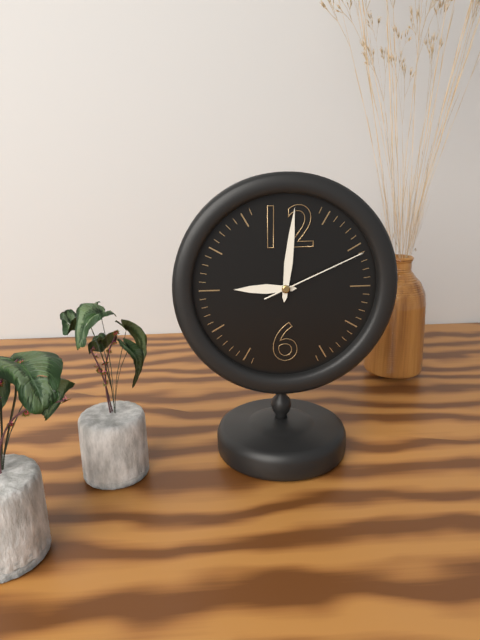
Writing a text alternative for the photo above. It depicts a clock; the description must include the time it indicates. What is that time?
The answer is 9:01:11
